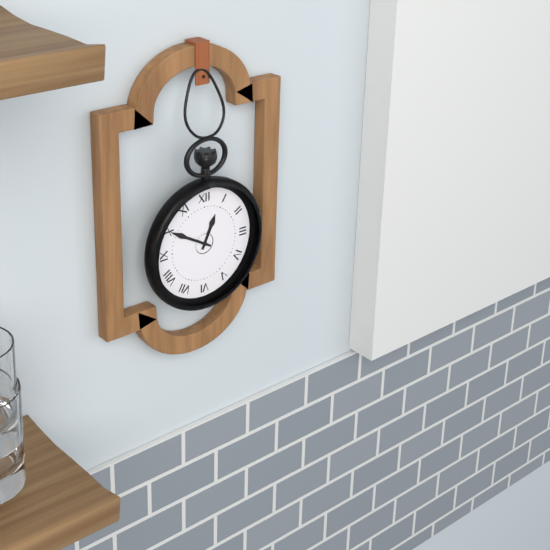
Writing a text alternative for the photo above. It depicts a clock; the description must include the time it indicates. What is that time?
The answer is 12:50
